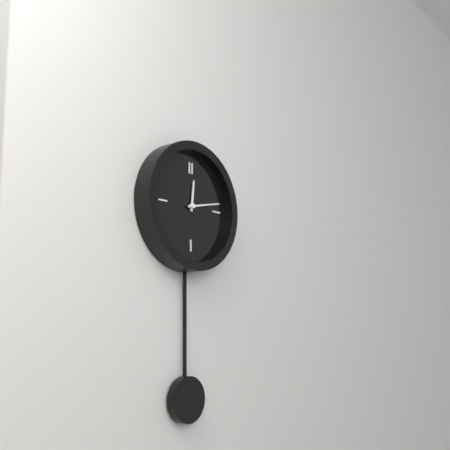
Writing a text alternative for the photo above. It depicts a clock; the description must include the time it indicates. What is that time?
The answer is 12:13
